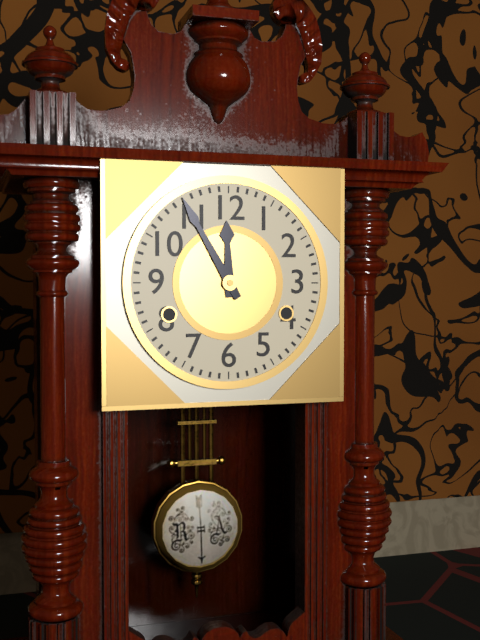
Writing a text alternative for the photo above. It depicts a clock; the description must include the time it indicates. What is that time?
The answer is 11:55
